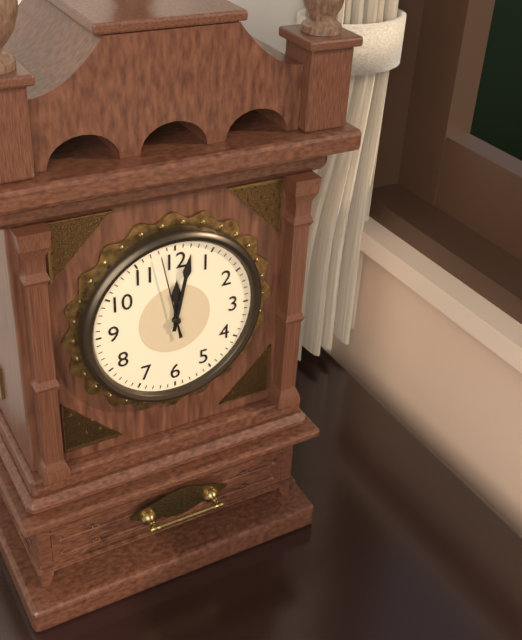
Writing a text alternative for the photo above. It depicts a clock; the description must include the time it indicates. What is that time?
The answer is 12:02:58
